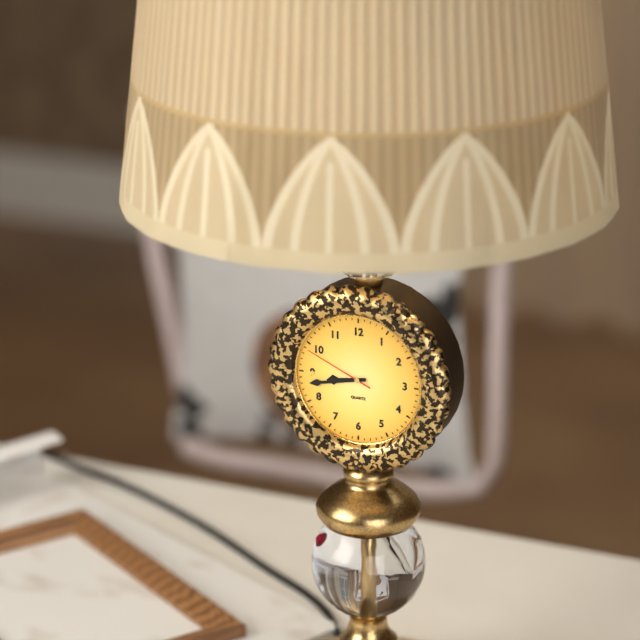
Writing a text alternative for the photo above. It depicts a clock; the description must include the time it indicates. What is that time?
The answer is 8:43:49
